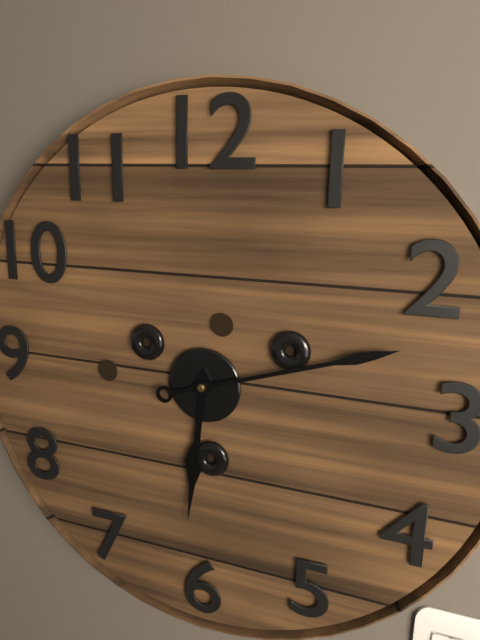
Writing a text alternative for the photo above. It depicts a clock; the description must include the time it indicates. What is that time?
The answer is 6:12
